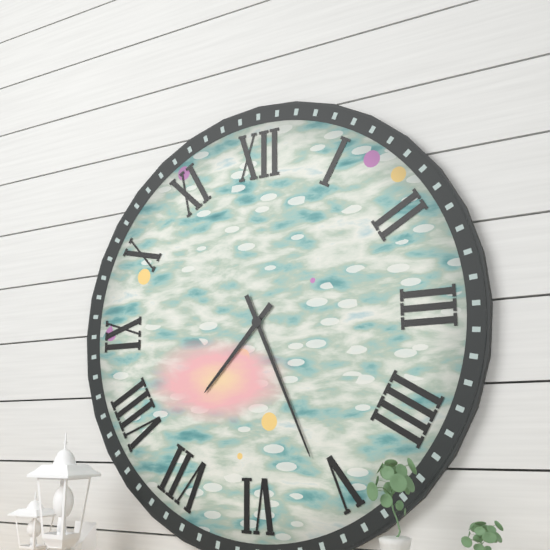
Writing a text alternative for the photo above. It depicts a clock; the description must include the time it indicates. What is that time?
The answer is 7:26
